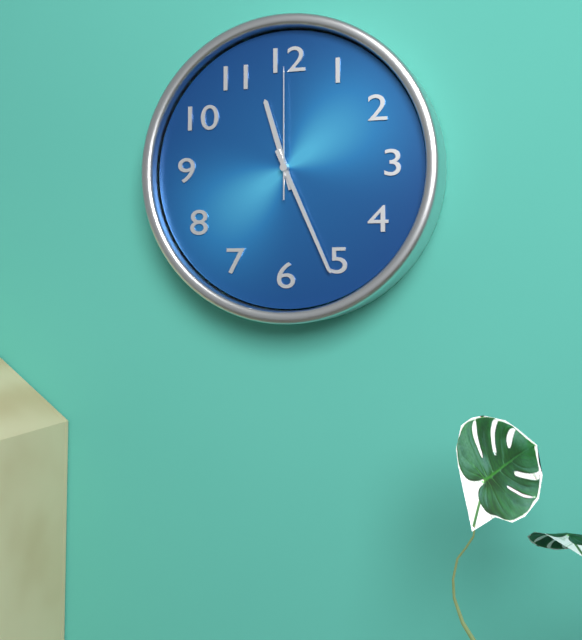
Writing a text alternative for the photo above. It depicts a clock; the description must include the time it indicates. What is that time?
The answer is 11:26:00
